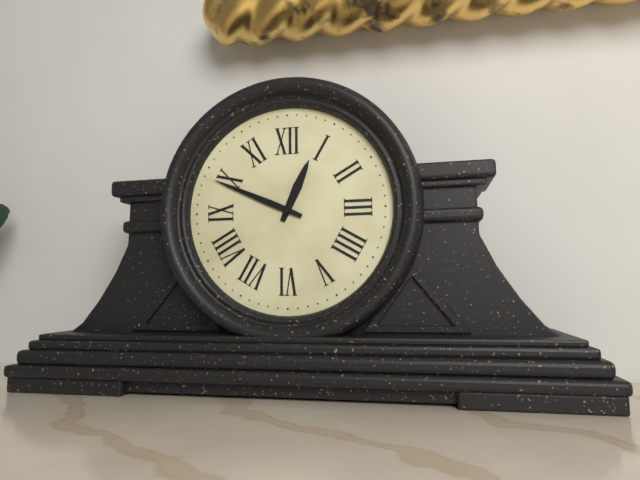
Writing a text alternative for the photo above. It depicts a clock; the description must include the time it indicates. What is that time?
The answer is 12:49
